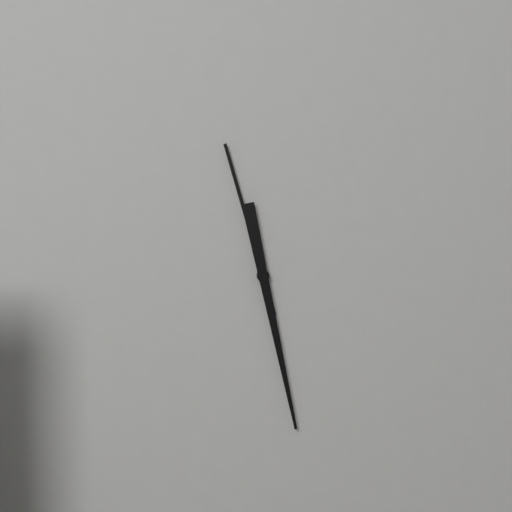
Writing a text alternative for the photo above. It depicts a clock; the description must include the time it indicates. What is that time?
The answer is 11:28
